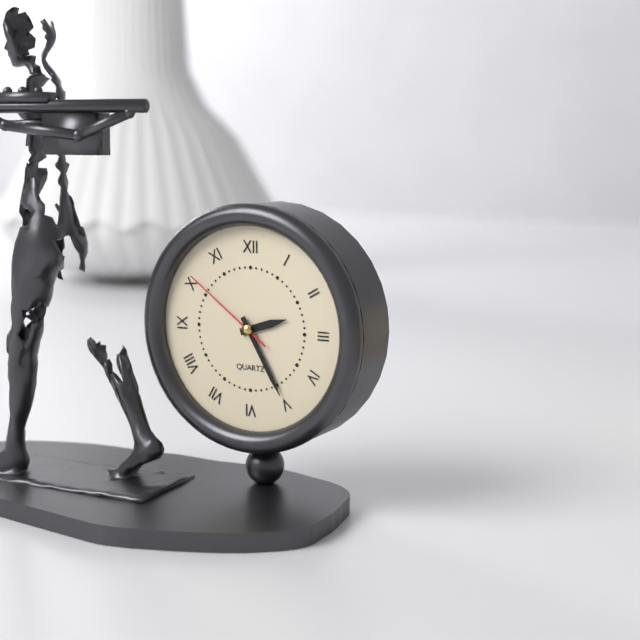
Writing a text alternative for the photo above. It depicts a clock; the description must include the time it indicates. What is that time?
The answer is 2:25:51
